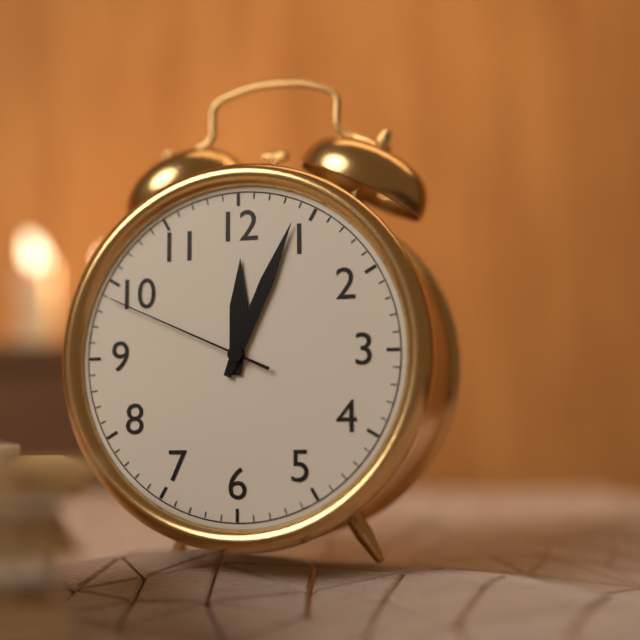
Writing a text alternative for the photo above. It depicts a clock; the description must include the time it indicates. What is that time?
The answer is 12:04:49
